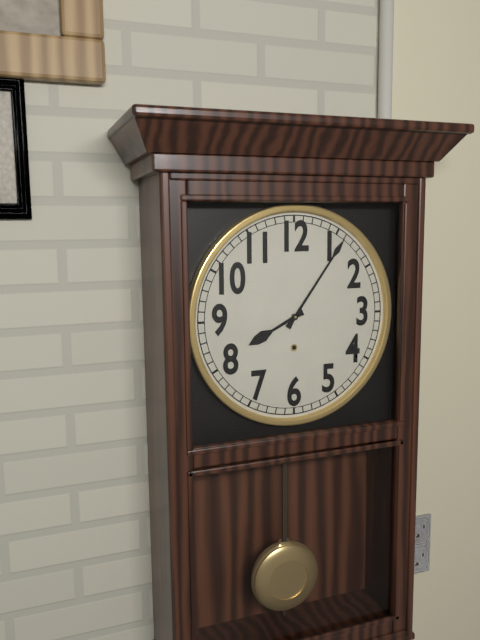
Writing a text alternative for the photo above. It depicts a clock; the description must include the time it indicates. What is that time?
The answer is 8:06
